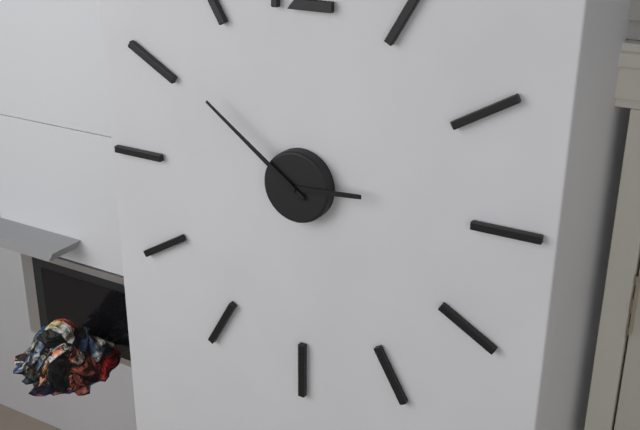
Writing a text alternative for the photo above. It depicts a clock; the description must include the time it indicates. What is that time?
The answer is 2:51
